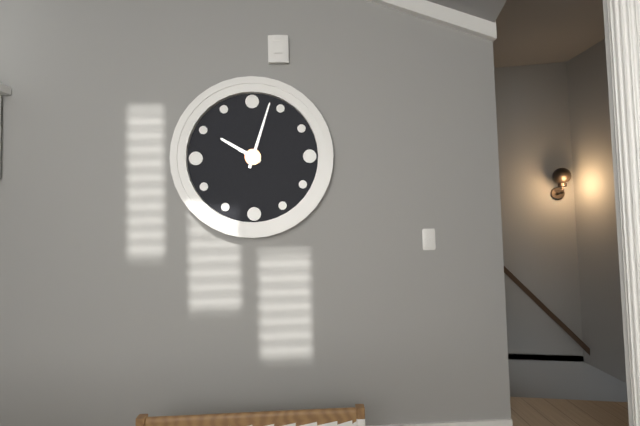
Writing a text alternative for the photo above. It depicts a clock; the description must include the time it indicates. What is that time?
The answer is 10:03
